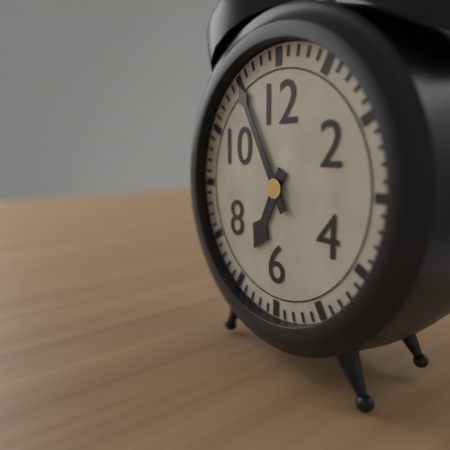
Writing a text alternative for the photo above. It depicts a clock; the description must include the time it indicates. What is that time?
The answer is 6:55
